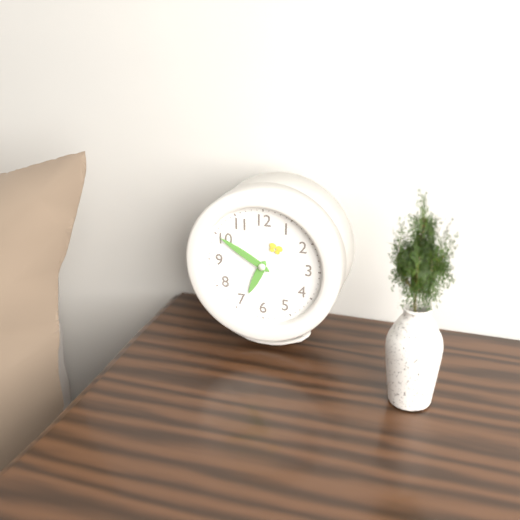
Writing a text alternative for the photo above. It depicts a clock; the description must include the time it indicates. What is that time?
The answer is 6:50
